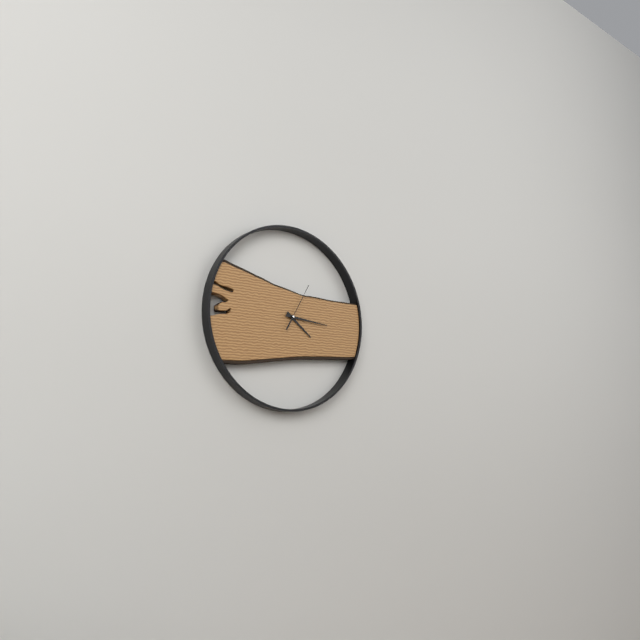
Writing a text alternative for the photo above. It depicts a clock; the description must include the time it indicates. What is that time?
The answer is 4:16
